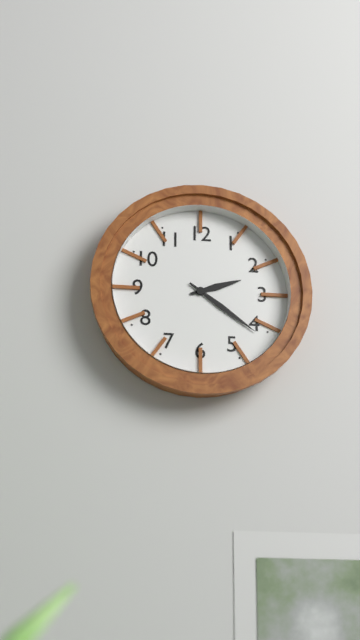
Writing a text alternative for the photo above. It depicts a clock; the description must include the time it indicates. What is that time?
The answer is 2:21
